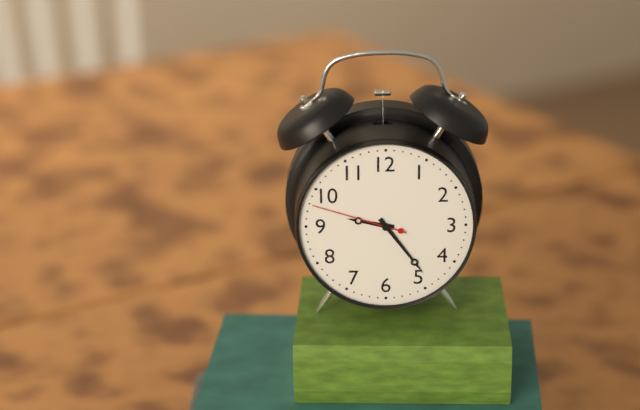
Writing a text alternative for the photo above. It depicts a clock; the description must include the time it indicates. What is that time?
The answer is 9:24:48
